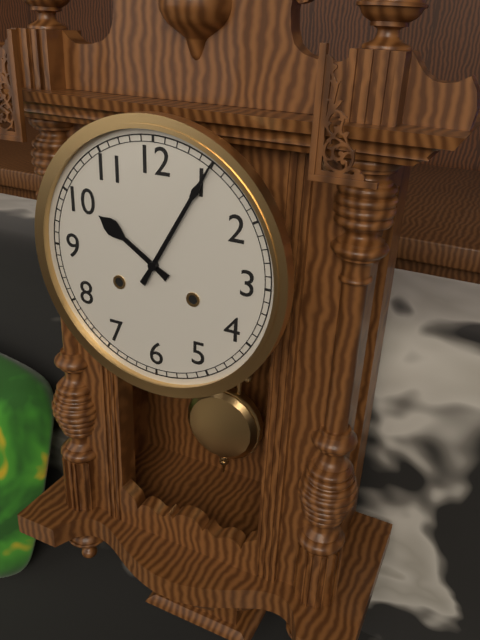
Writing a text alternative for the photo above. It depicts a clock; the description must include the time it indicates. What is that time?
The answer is 10:05
